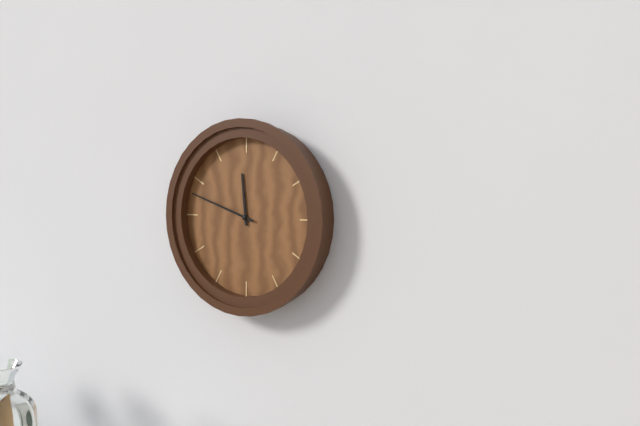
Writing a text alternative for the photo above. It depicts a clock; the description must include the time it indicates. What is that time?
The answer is 11:48
